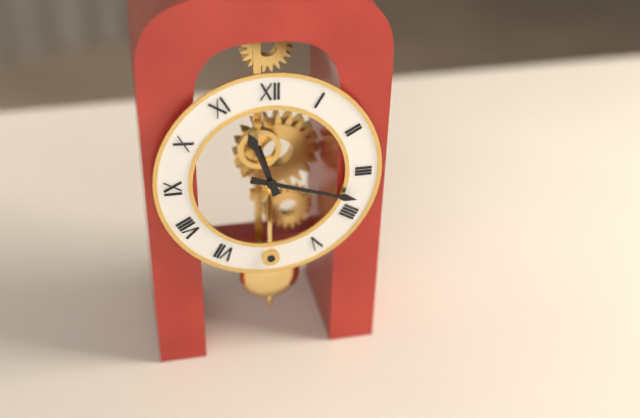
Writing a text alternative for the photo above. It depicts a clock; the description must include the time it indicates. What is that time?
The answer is 11:18
